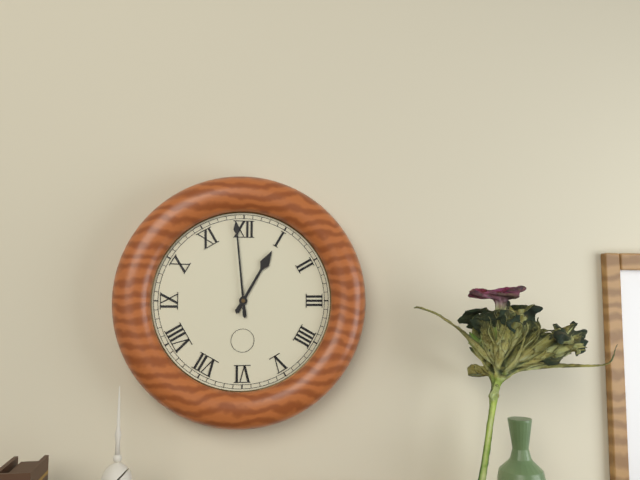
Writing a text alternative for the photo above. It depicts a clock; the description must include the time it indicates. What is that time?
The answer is 12:59
